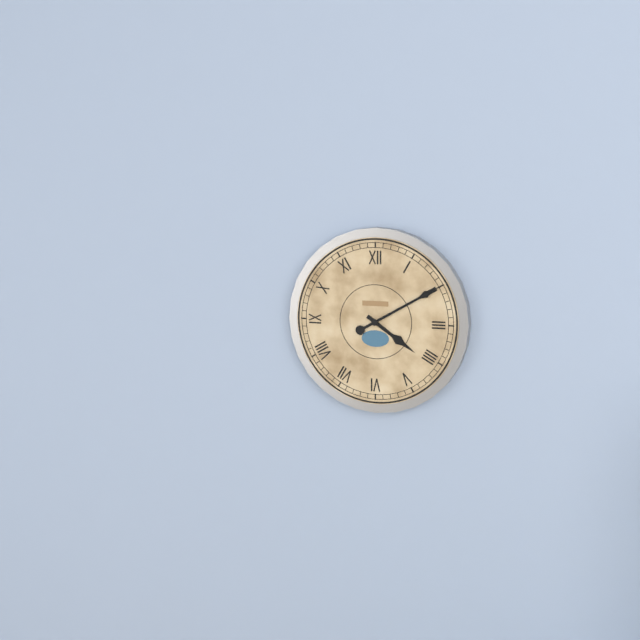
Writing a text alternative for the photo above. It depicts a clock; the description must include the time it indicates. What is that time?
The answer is 4:10
